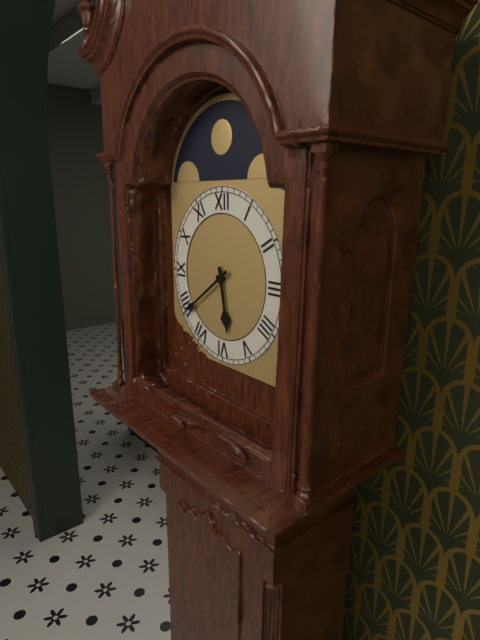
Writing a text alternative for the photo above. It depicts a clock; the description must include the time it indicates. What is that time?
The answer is 5:39
